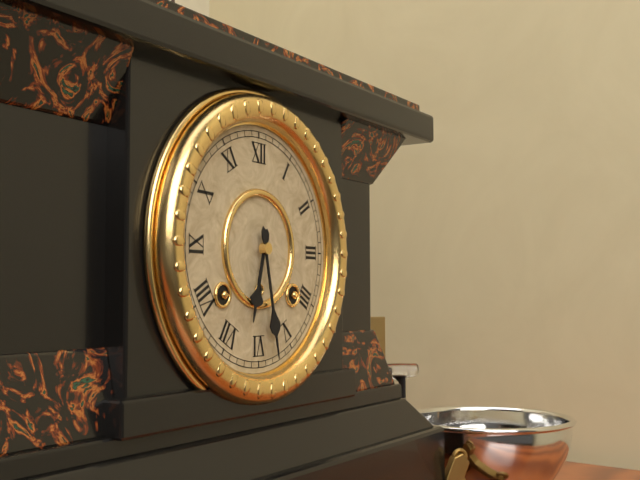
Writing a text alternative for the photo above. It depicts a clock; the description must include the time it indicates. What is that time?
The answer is 6:28
